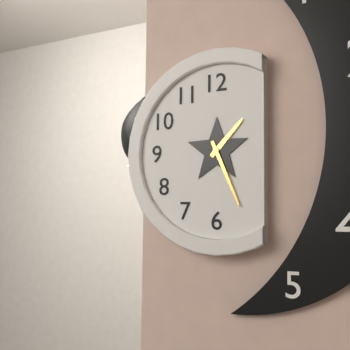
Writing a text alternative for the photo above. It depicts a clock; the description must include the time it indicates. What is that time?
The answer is 1:26
